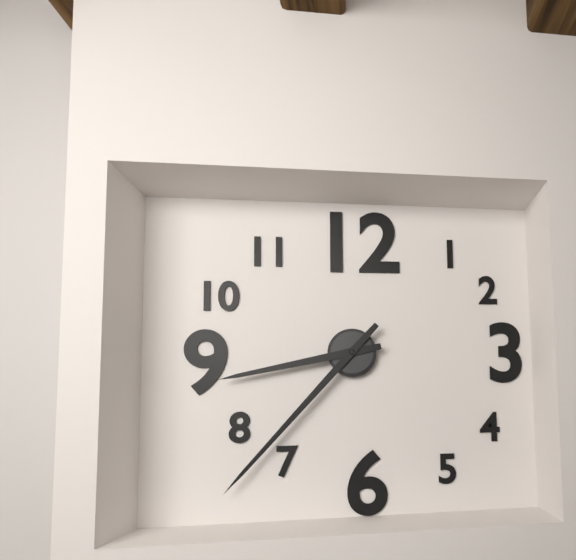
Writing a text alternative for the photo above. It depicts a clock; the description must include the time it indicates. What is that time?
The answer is 8:37
